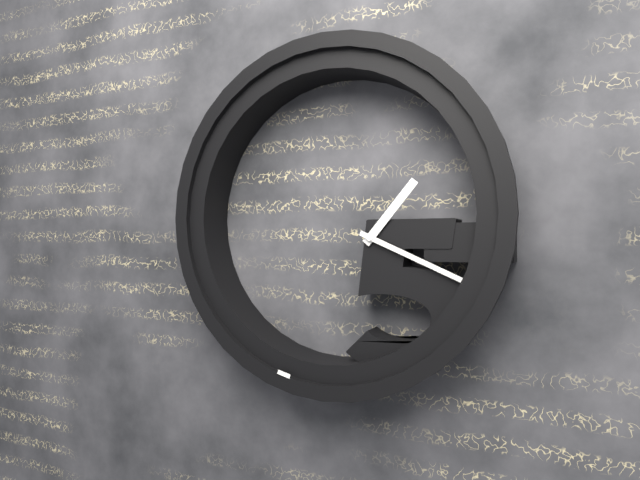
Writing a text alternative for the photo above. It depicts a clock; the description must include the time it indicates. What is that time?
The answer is 1:19
